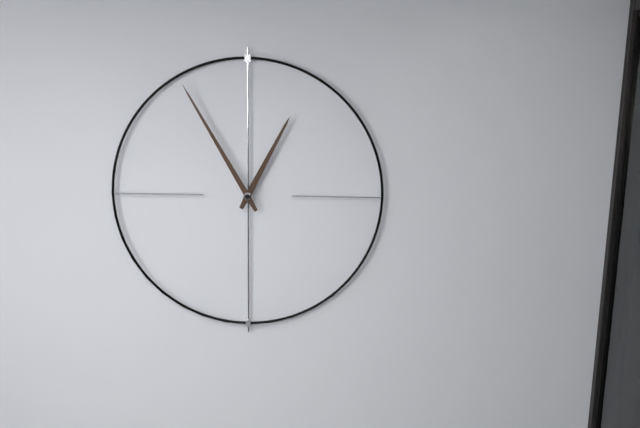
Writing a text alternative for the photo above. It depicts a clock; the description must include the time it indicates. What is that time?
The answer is 12:55
